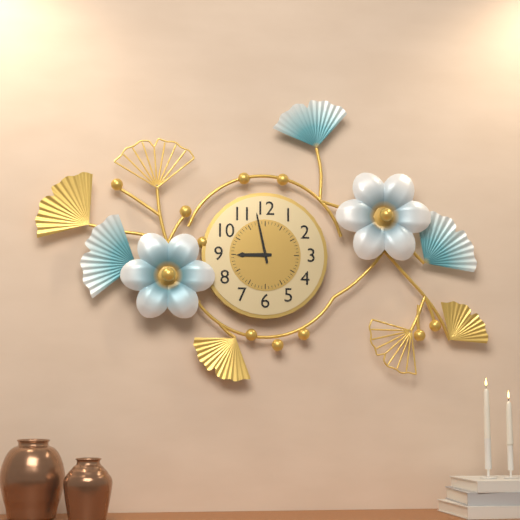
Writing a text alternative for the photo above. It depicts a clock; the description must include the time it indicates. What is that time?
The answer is 8:58
